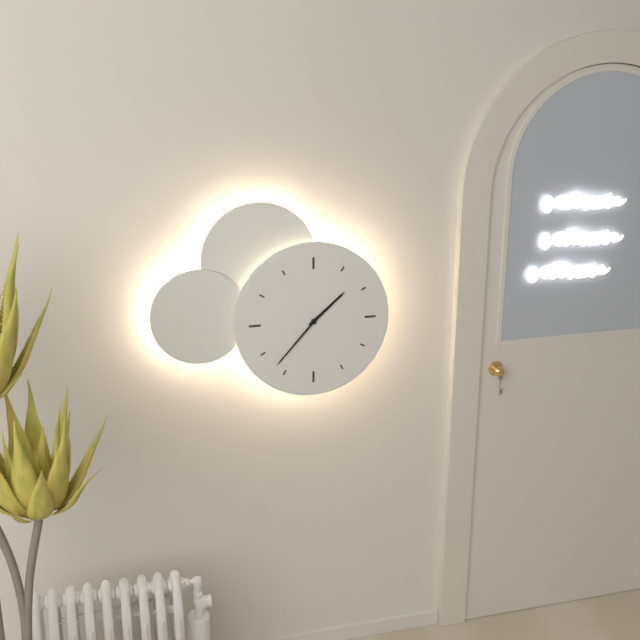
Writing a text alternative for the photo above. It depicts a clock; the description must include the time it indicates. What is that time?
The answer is 1:37
